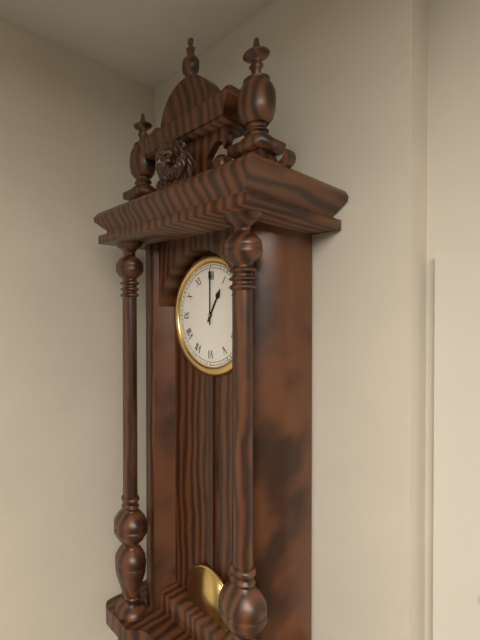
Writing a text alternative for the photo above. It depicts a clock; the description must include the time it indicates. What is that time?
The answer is 1:00
